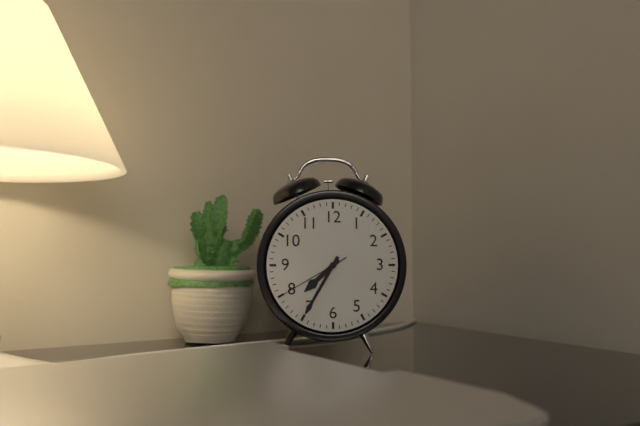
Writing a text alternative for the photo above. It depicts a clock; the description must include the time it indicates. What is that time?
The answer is 7:35:40
